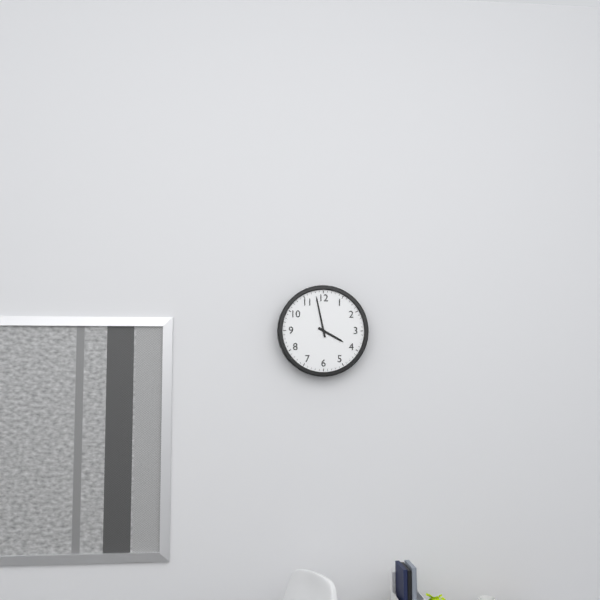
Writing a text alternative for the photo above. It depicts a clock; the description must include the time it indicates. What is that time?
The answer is 3:58
